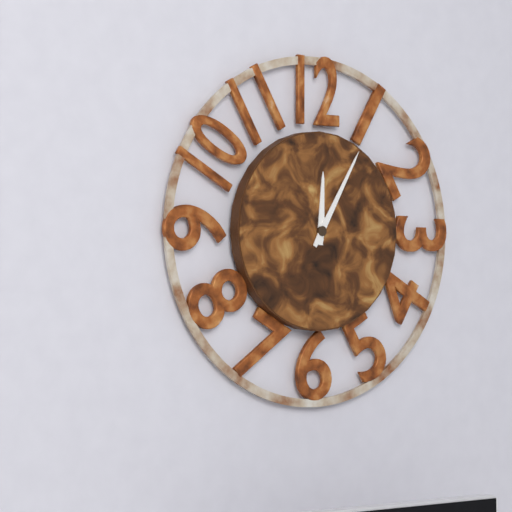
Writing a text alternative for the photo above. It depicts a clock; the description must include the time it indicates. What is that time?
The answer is 12:05
